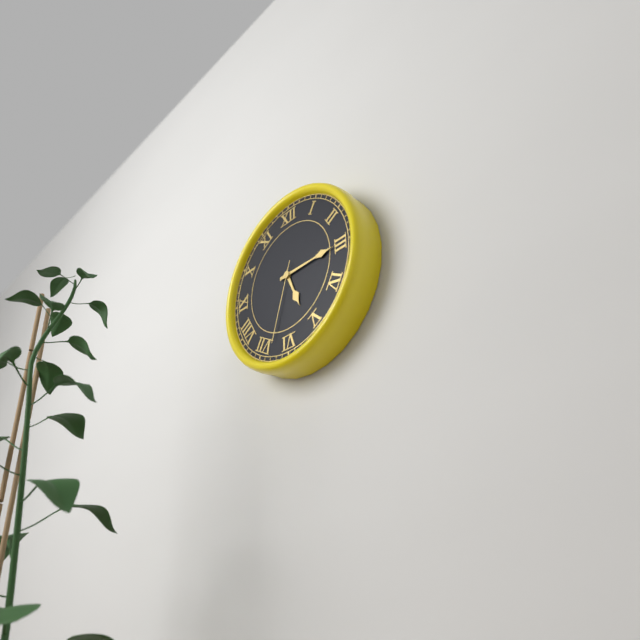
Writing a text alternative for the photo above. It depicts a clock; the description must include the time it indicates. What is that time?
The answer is 5:15:33
